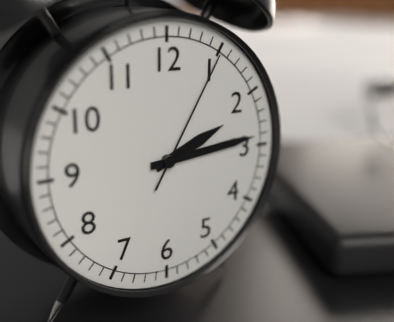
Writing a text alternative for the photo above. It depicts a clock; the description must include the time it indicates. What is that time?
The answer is 2:14:05
